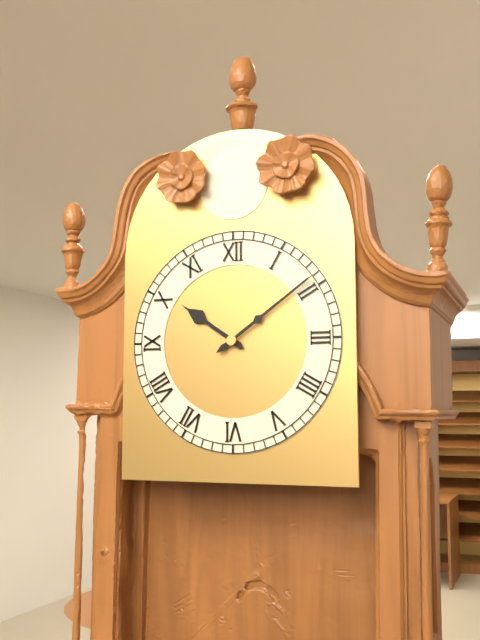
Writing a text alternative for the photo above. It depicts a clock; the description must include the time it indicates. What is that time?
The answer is 10:09
